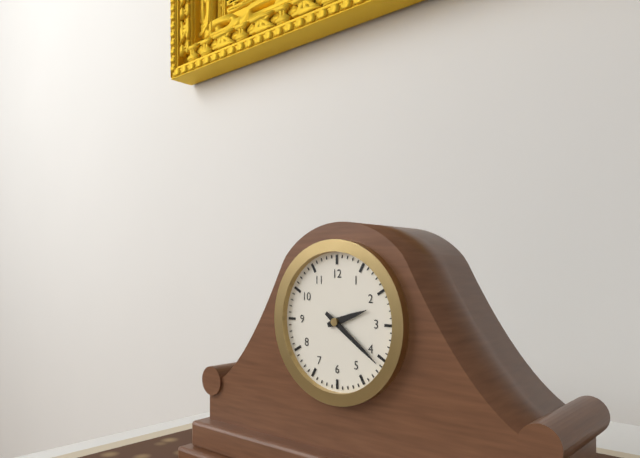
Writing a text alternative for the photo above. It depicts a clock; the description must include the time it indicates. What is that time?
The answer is 2:21
